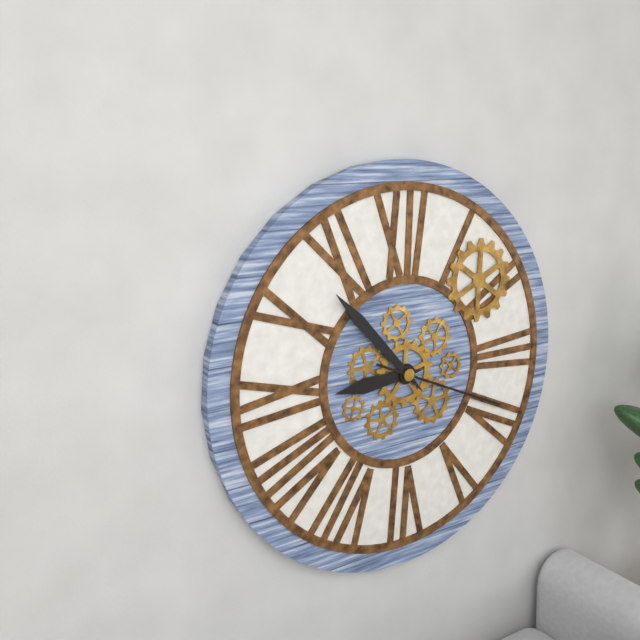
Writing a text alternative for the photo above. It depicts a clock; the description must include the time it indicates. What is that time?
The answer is 8:53:19
